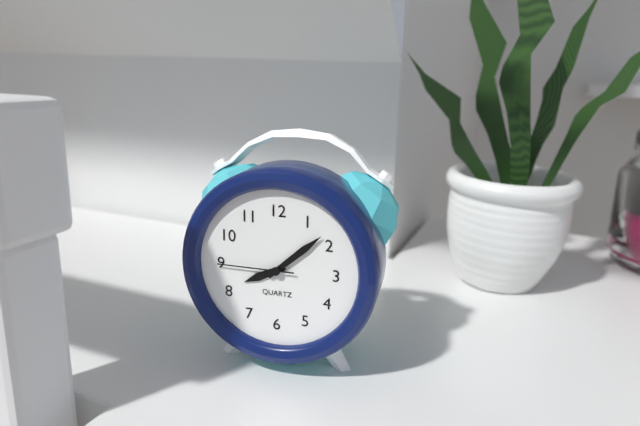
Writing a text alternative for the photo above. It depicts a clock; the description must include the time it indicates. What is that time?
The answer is 8:08:45
